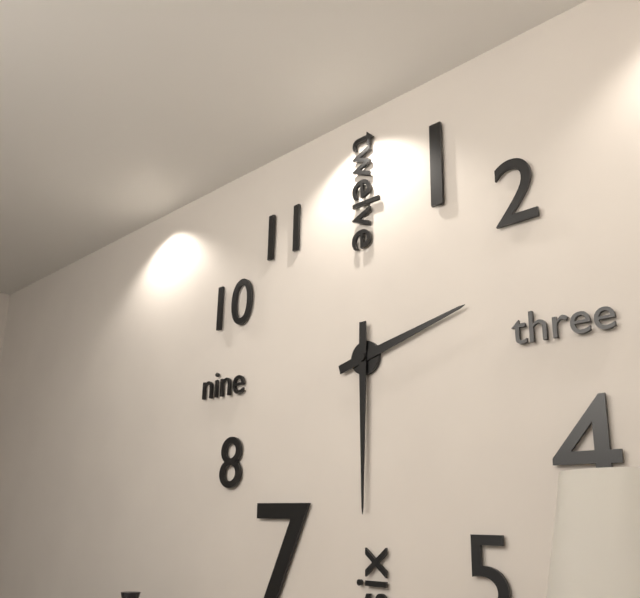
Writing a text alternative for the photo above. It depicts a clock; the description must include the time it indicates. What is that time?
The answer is 2:30
